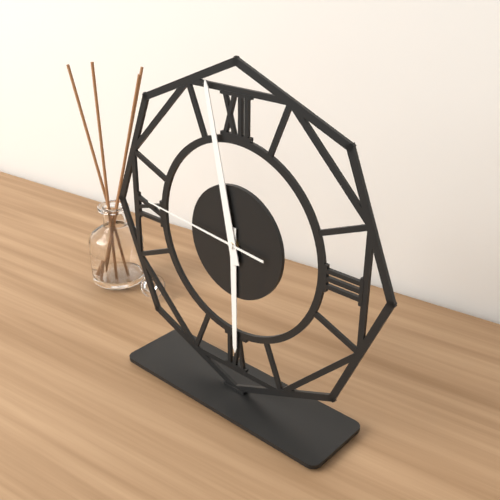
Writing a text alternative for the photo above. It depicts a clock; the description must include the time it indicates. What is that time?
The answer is 5:58:46
